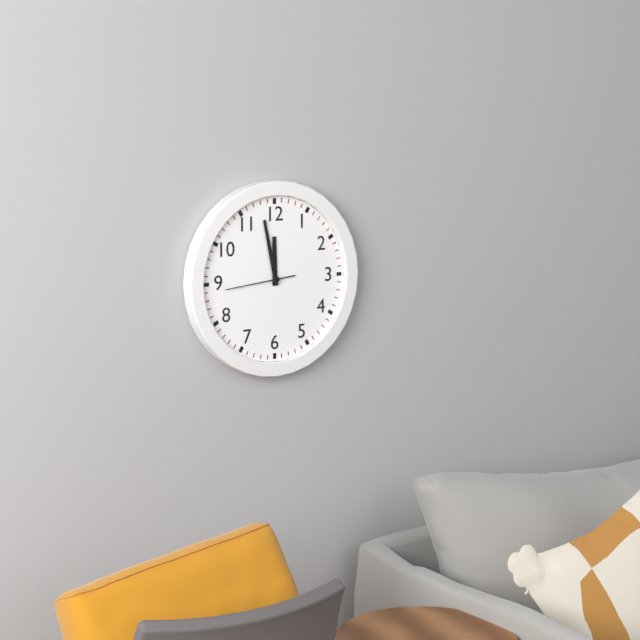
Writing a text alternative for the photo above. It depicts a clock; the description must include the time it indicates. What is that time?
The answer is 11:58:44
